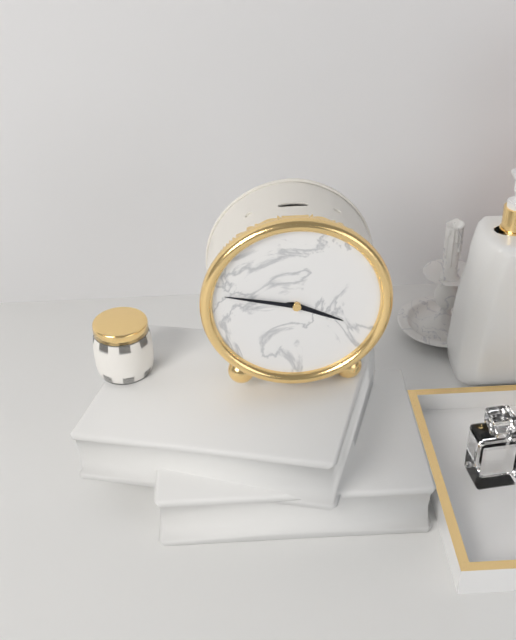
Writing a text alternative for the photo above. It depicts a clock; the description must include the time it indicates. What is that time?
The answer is 3:47
